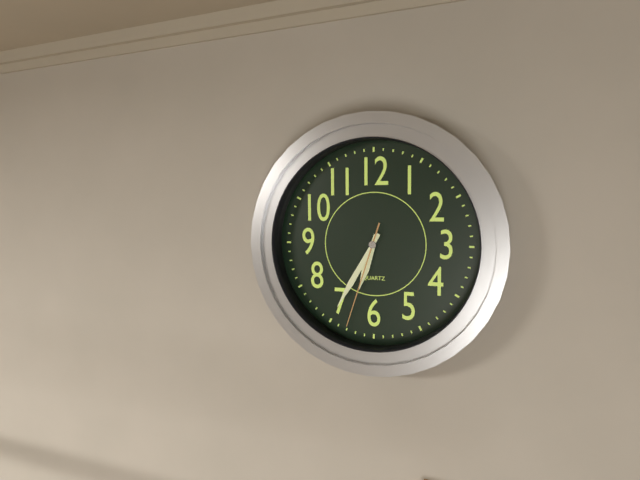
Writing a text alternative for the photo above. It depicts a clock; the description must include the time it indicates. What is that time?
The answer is 6:35:33
